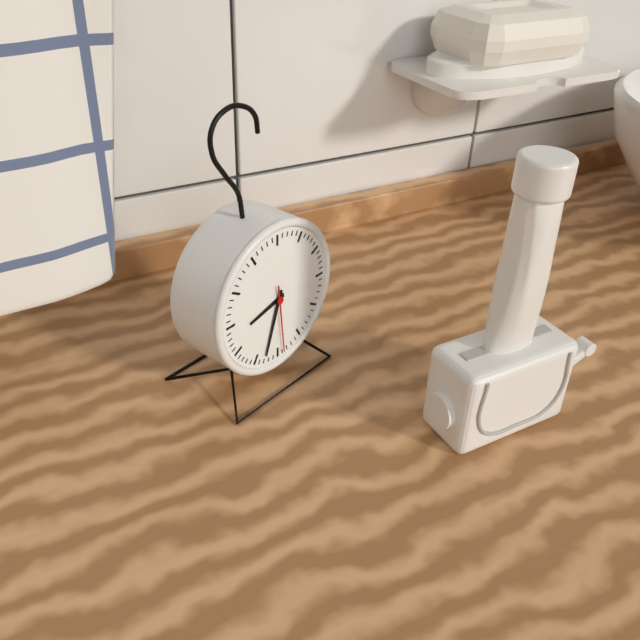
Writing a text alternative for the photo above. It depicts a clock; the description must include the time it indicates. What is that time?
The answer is 8:33:29
